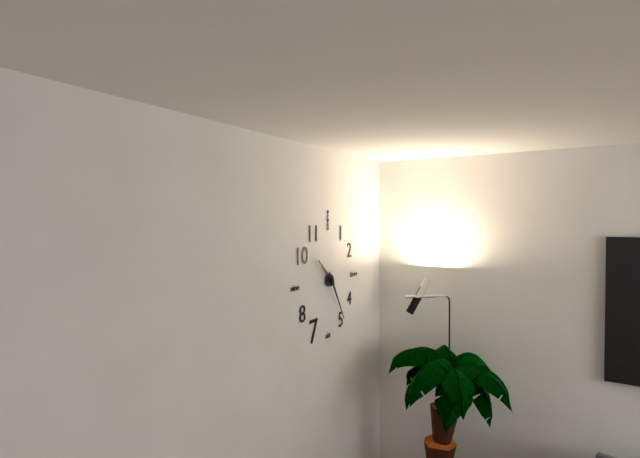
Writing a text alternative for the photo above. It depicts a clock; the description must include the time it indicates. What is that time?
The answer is 10:25
